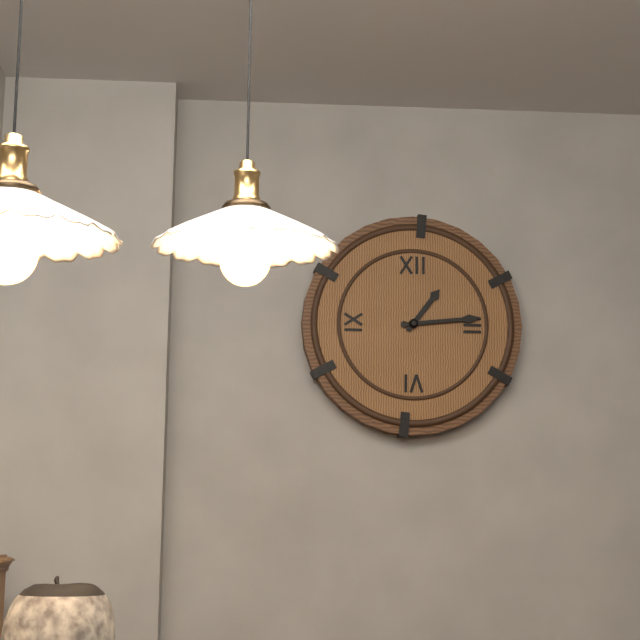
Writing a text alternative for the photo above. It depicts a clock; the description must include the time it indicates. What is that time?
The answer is 1:14
